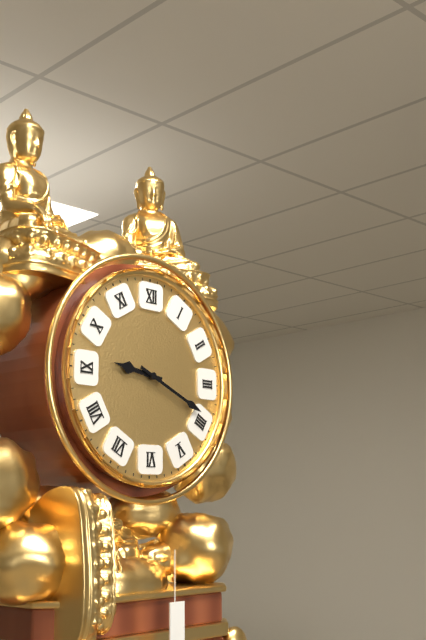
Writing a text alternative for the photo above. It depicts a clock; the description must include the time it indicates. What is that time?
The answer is 9:19
